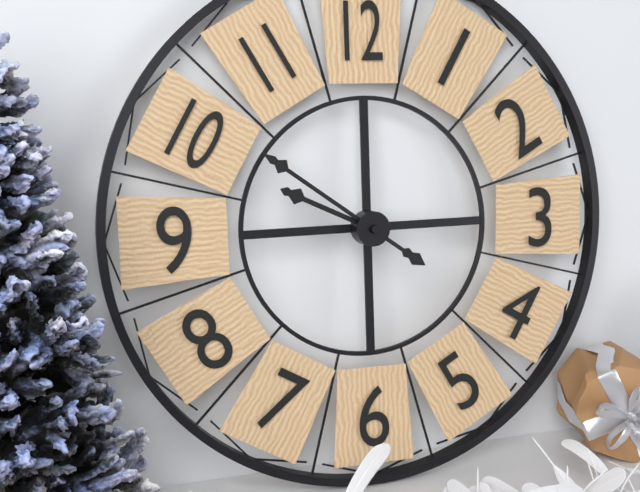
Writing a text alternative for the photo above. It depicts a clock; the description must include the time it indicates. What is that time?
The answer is 9:51
